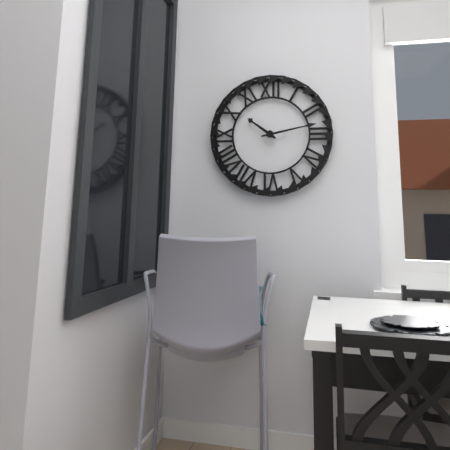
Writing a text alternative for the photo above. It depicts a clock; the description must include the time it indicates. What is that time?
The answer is 10:13
